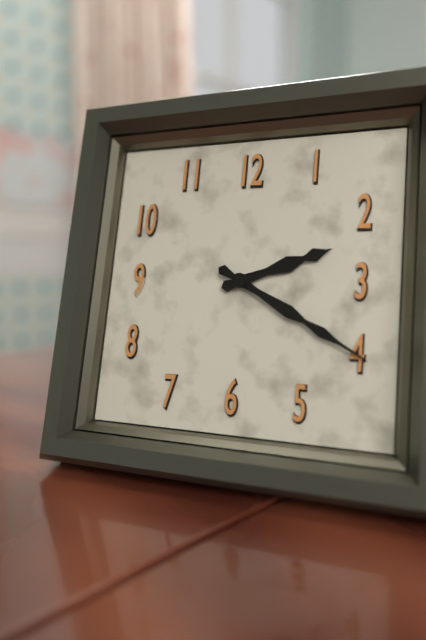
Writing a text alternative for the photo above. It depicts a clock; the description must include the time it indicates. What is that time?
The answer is 2:20
